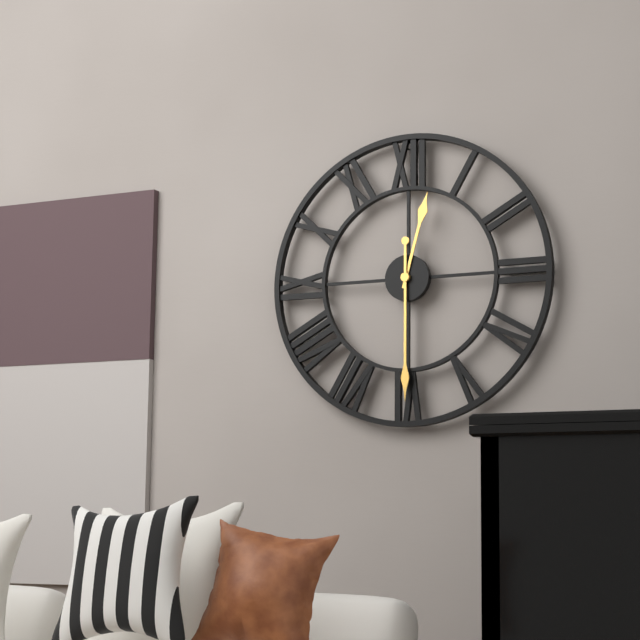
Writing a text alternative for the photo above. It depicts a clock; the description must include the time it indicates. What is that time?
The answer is 12:30
